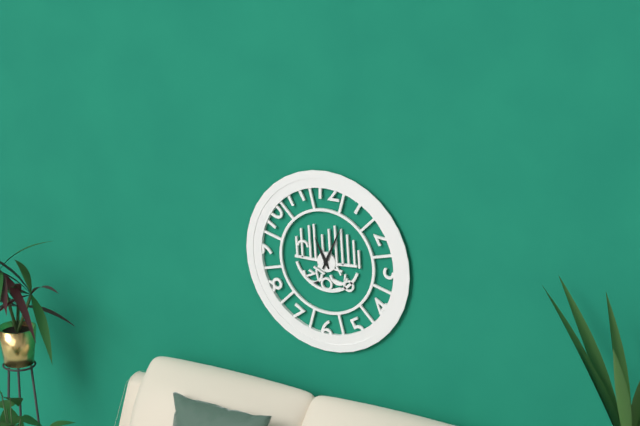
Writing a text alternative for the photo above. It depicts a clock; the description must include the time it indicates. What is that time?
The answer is 11:04
